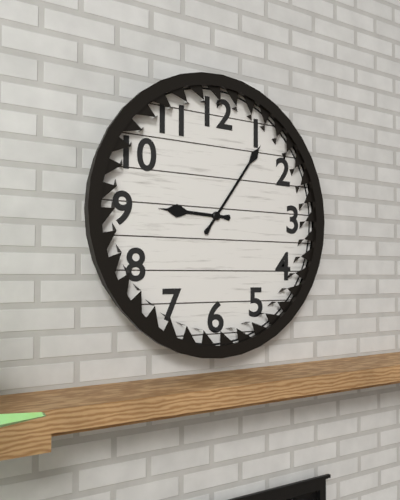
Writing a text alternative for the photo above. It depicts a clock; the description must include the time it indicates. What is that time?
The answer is 9:06
